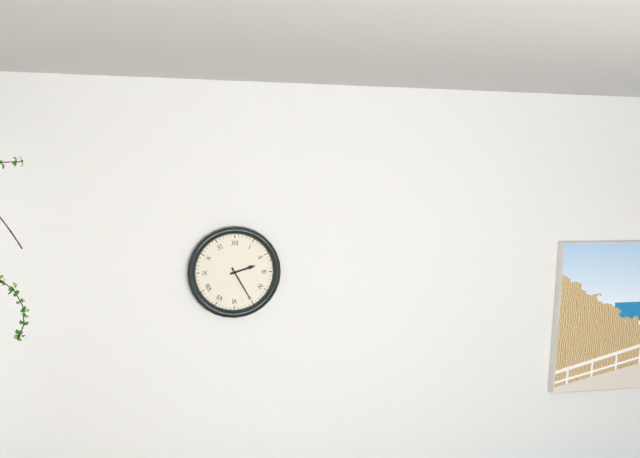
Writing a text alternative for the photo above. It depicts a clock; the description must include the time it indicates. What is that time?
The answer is 2:25
